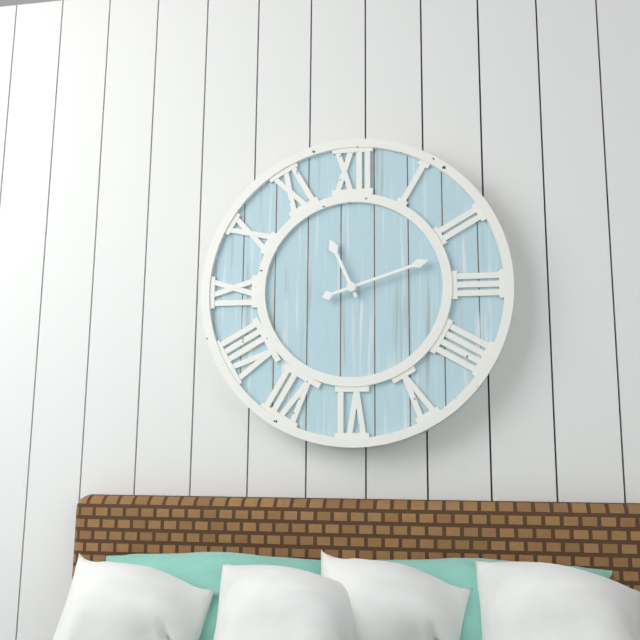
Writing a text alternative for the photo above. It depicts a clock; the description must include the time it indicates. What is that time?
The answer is 11:12
